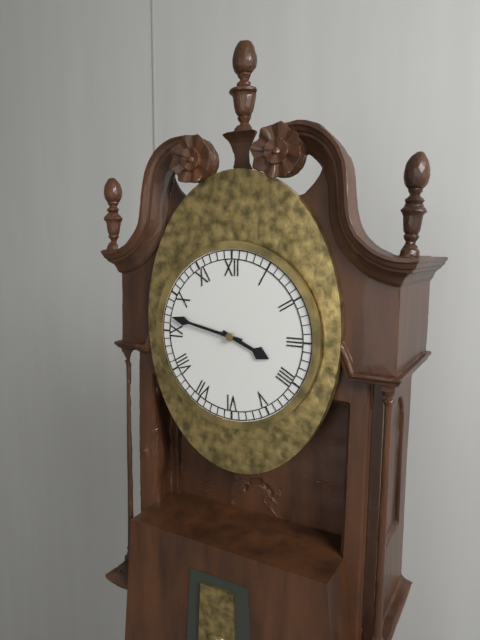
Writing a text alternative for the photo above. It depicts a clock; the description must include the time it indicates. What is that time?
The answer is 3:47
